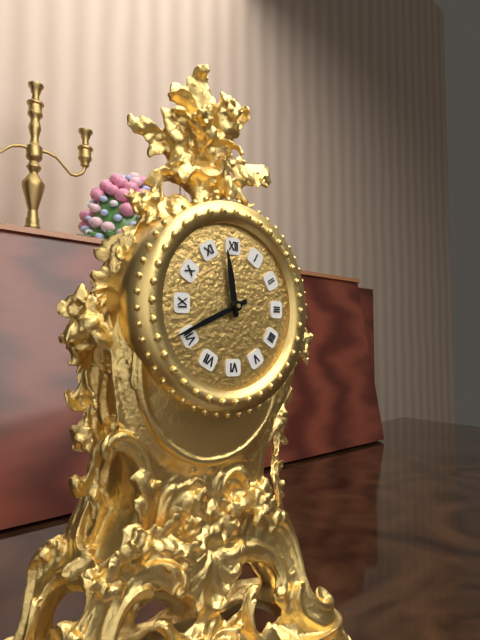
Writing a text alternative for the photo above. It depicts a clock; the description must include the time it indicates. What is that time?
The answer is 11:41
